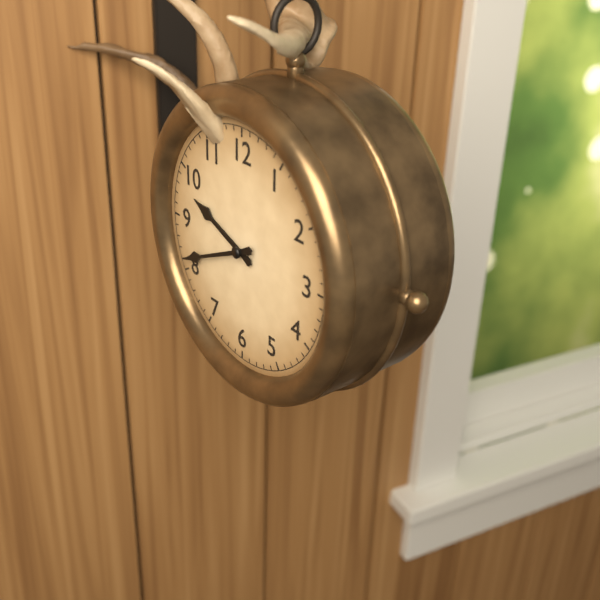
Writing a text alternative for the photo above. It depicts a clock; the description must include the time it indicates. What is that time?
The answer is 9:41
